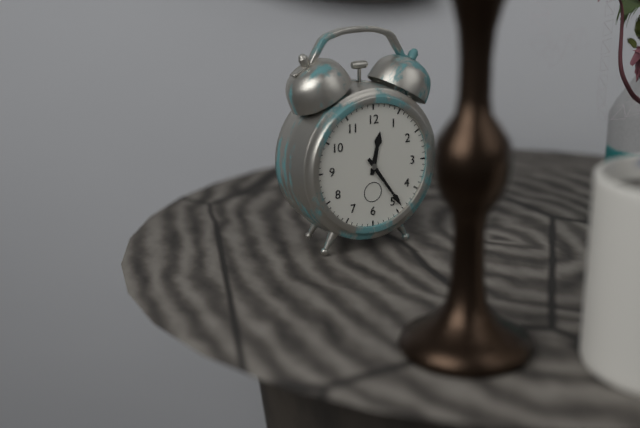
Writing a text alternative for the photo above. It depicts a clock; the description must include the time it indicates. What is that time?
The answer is 12:24
